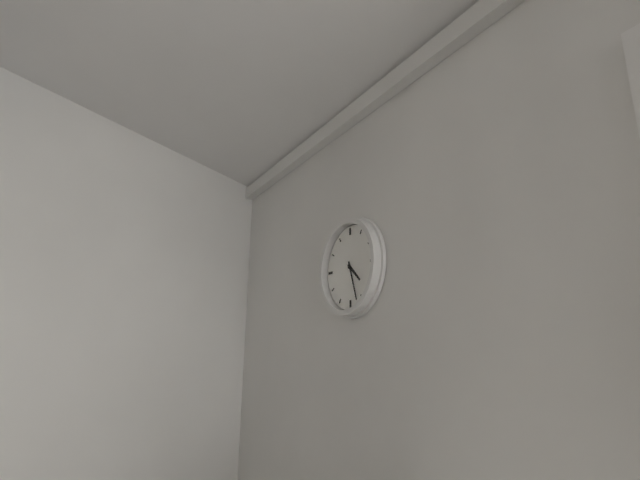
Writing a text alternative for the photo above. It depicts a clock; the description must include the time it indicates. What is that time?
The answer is 4:27
